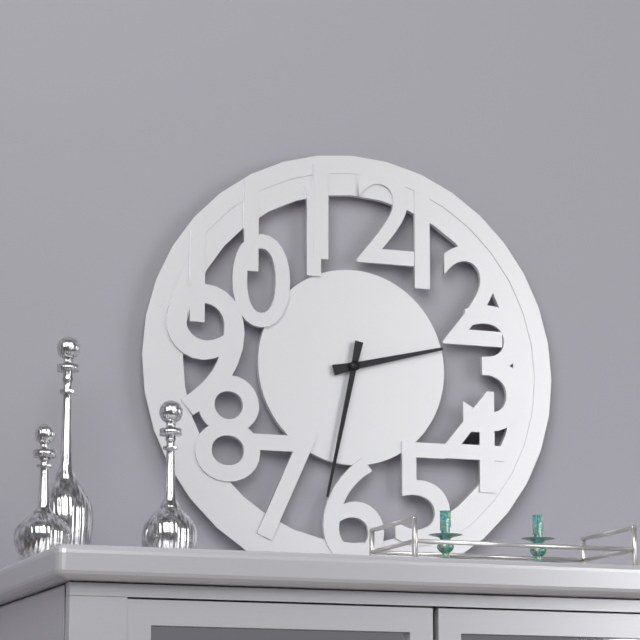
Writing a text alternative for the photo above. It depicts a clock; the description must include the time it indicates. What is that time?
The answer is 2:32
